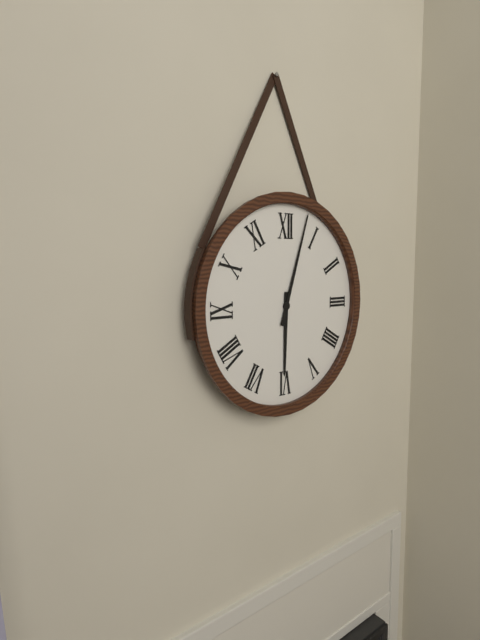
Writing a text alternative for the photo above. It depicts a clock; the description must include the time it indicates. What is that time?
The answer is 6:03
